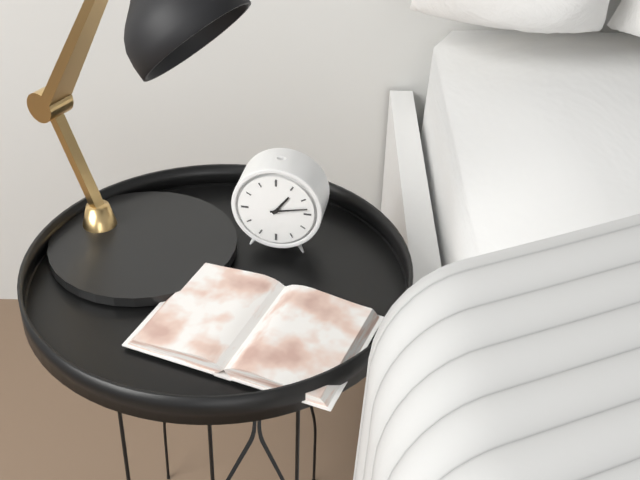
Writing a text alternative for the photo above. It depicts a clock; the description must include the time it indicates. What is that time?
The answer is 1:13
